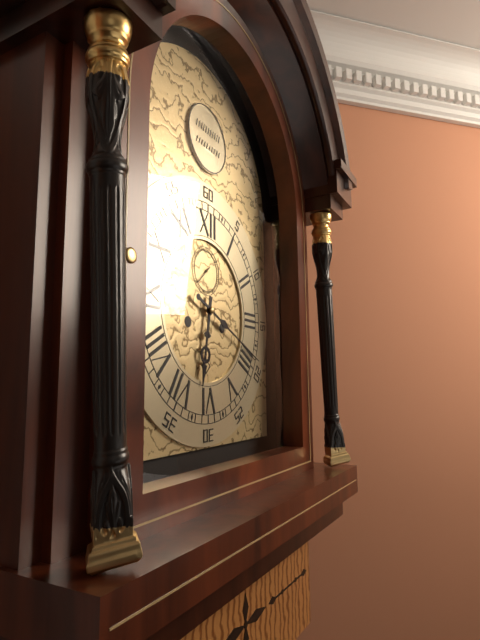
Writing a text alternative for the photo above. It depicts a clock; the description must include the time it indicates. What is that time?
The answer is 6:19
